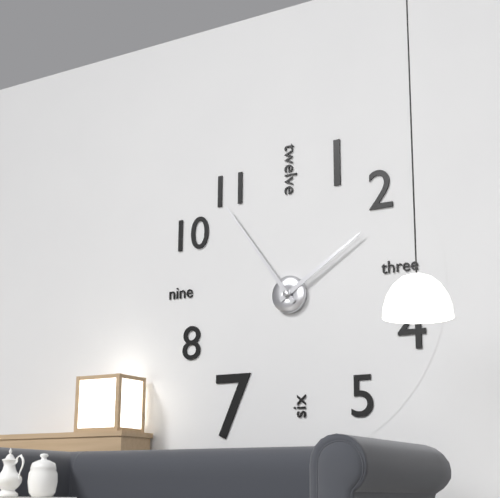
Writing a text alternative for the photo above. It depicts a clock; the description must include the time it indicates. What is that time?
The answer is 1:54
